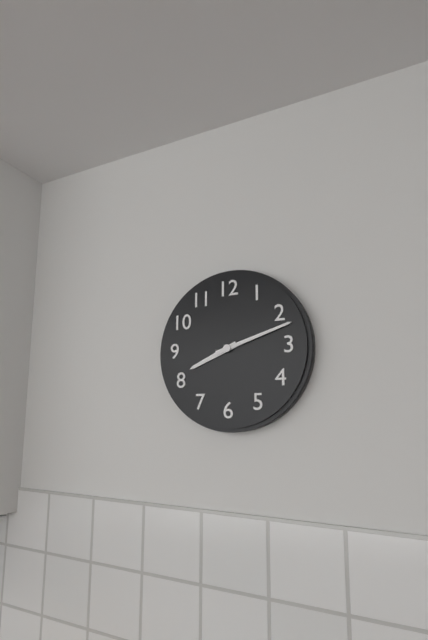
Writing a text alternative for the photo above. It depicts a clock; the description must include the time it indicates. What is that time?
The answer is 8:12
